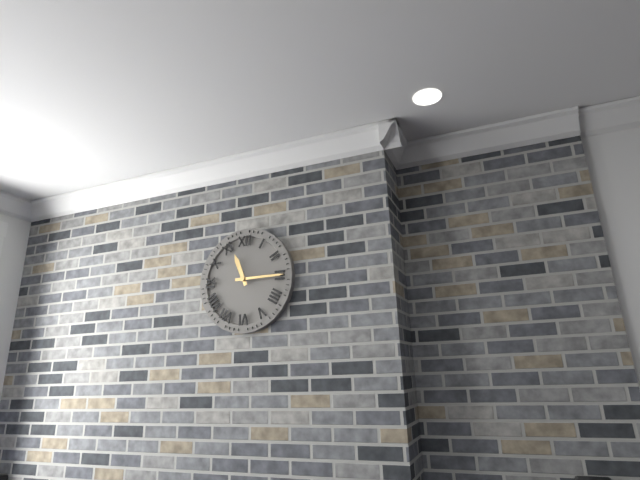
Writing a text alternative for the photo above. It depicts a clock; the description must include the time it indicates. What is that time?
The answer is 11:15
